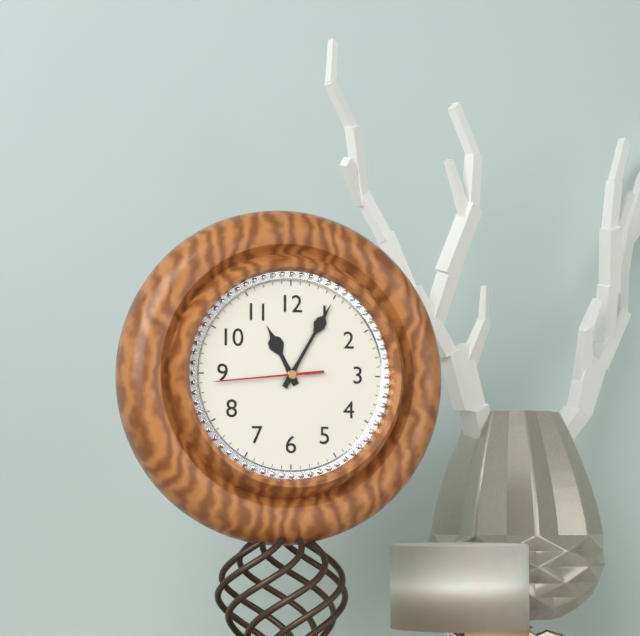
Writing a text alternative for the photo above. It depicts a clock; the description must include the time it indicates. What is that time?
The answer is 11:05:44
